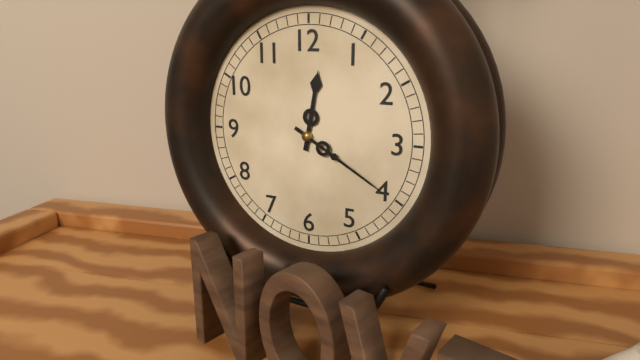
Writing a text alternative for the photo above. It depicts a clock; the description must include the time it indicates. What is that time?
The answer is 12:20
